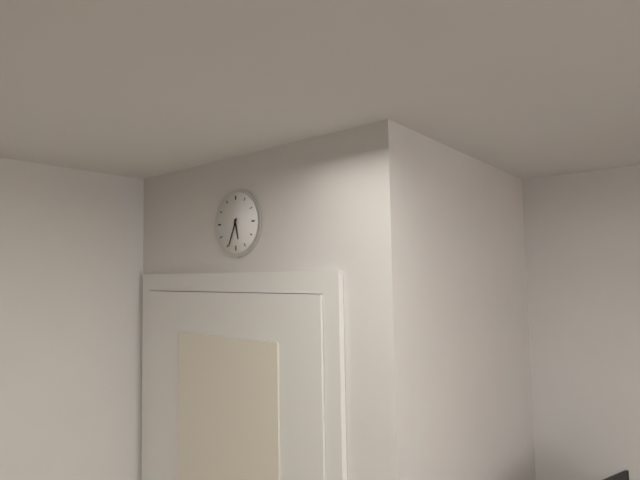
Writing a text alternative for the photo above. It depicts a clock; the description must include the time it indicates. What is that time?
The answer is 5:34
